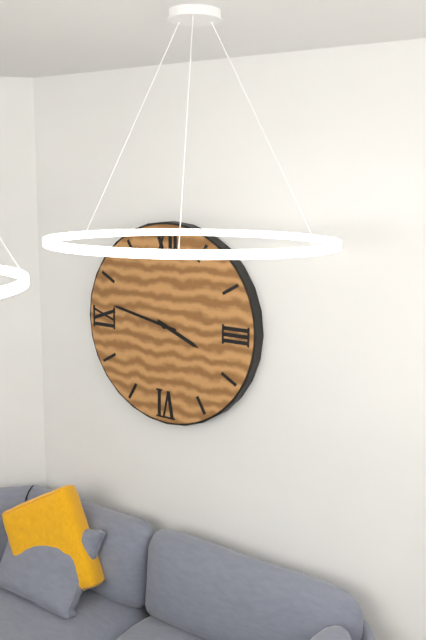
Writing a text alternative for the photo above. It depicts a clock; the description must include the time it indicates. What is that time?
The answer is 3:47
